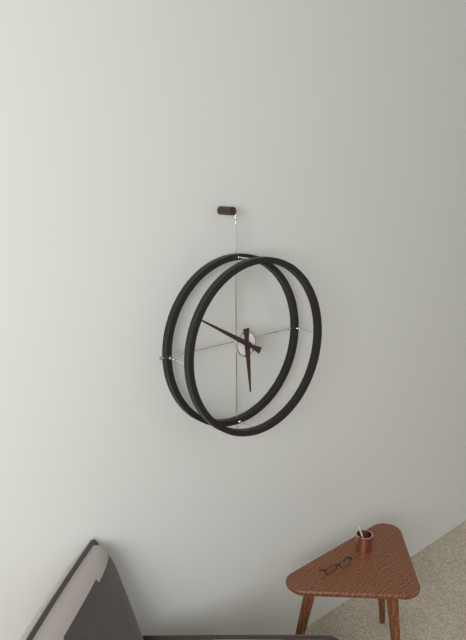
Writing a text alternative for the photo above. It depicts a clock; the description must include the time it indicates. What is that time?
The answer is 5:50
